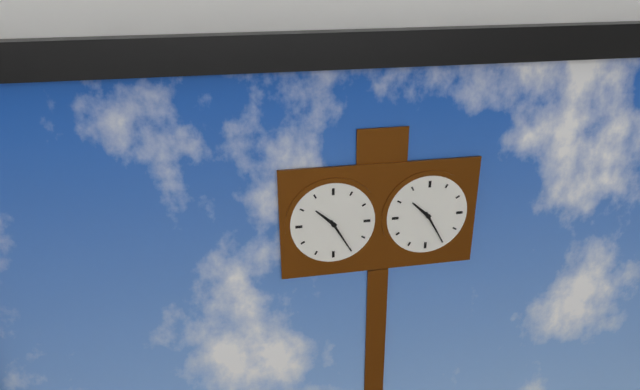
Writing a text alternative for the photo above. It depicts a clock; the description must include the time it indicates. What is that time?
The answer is 10:25
